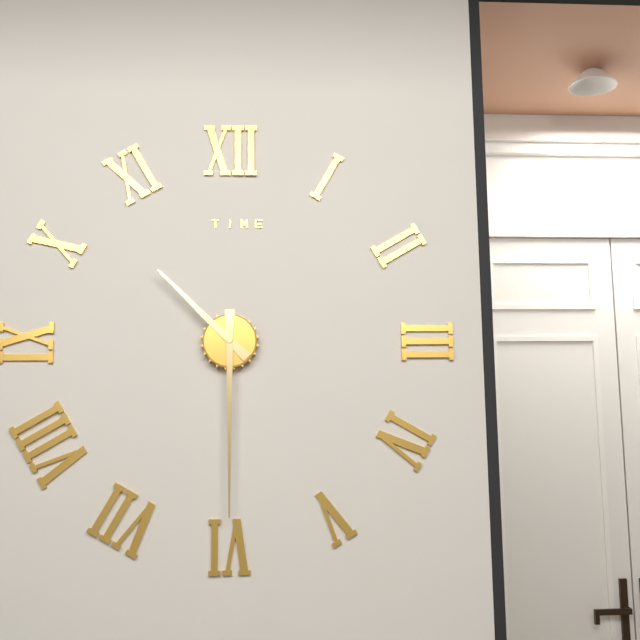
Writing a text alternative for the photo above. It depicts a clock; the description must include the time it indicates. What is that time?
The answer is 10:30
